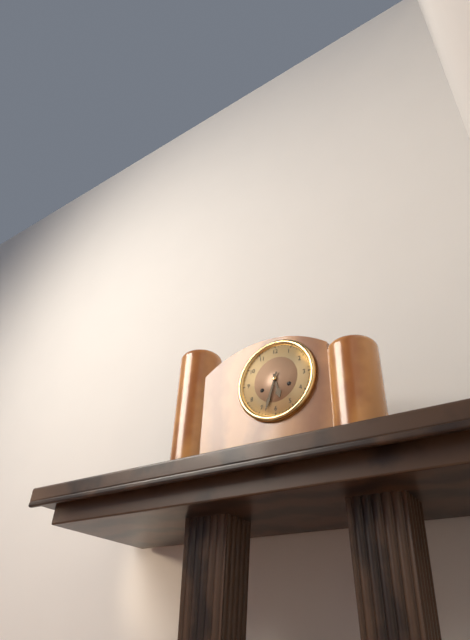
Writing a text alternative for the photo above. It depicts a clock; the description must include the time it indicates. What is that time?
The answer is 5:33
